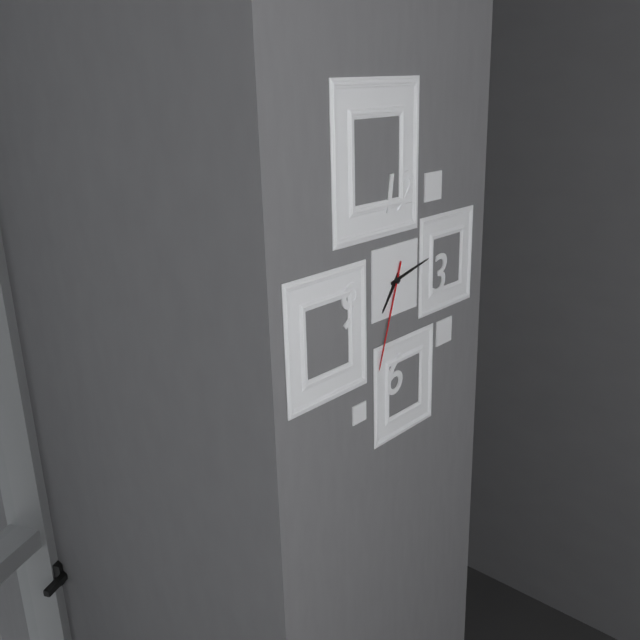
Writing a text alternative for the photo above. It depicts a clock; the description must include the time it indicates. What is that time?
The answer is 7:13:33
